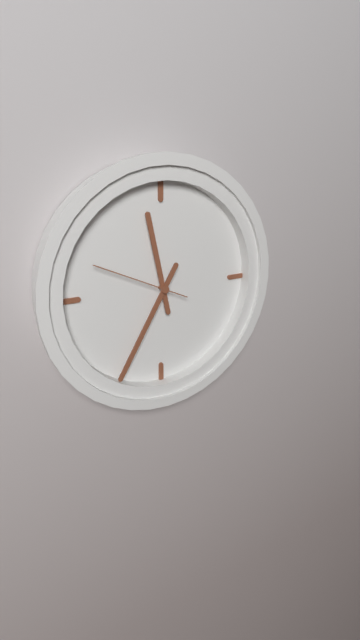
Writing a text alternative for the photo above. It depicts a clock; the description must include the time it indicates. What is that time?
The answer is 11:35:49
